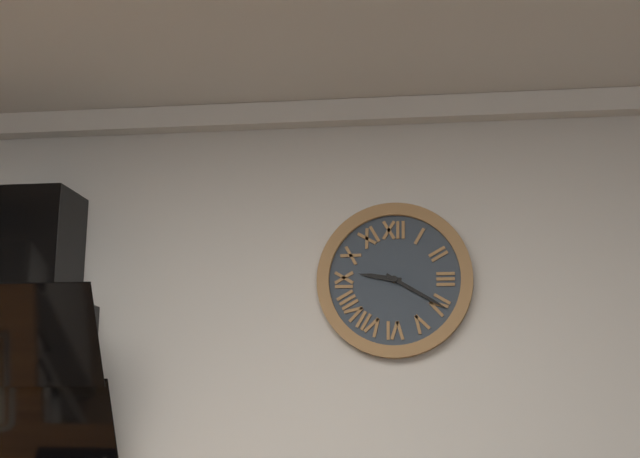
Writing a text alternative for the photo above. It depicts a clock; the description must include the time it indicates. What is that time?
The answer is 9:20
